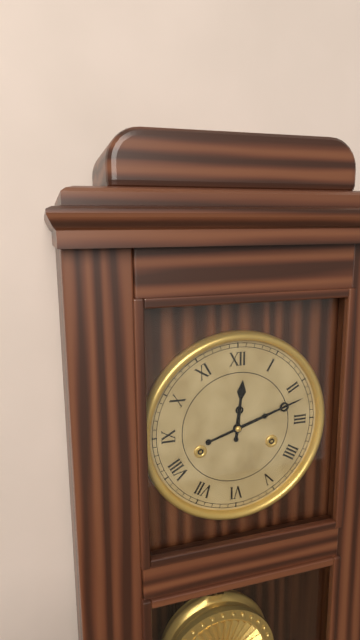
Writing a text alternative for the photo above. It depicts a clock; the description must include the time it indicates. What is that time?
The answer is 12:12
